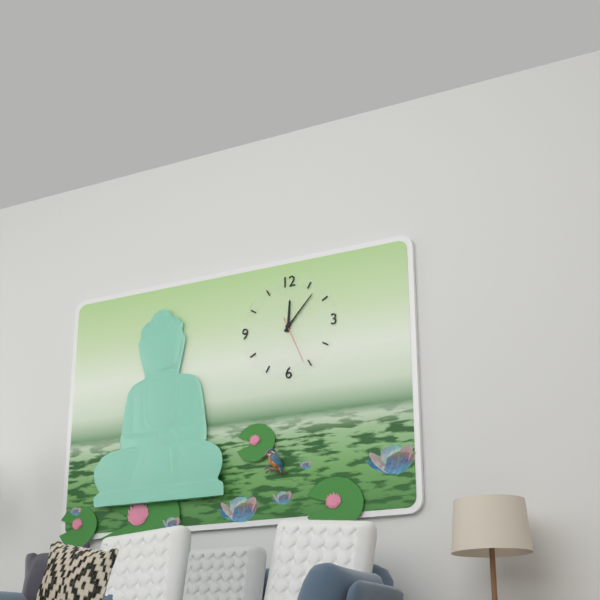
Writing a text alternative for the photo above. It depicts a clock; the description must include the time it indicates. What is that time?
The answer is 12:07
